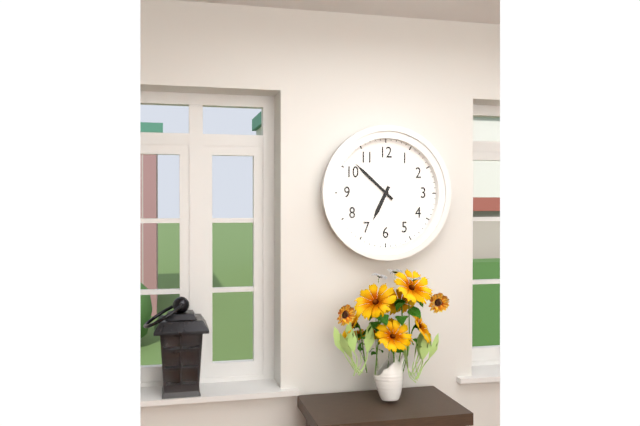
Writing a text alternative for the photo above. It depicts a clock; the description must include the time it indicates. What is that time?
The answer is 6:52
